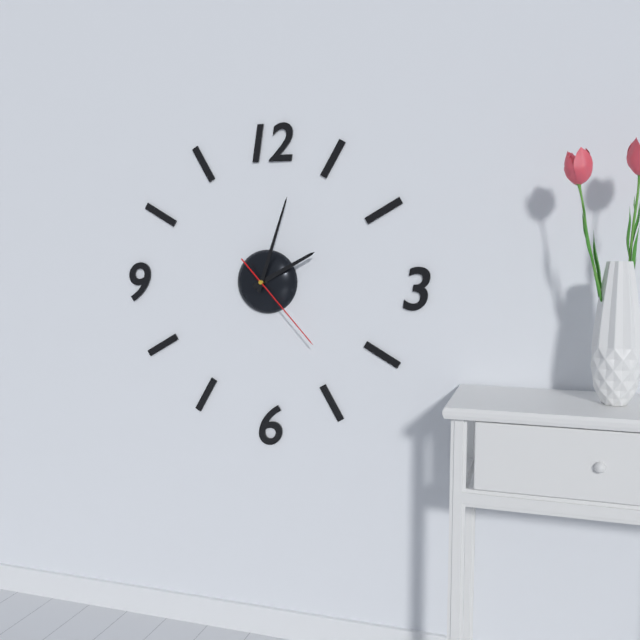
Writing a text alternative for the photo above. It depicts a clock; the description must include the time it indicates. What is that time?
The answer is 2:03:23
